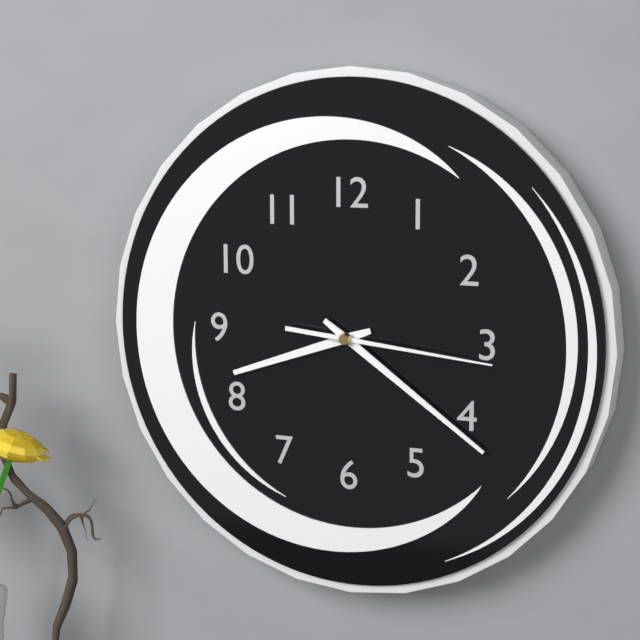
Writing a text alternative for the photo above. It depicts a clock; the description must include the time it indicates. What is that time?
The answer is 8:21:16
